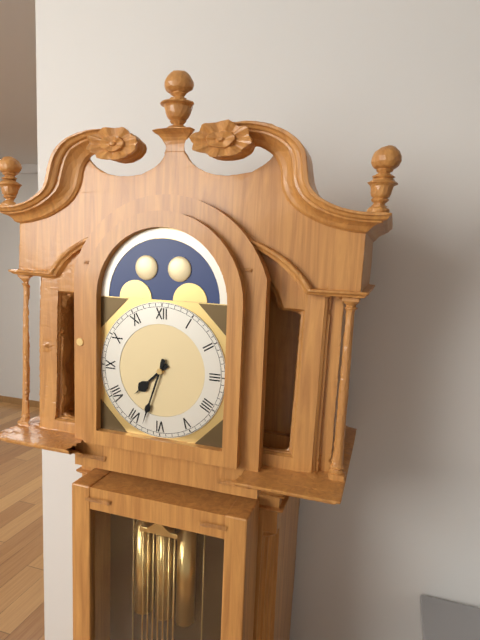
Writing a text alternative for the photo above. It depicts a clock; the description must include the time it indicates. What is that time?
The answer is 7:33
